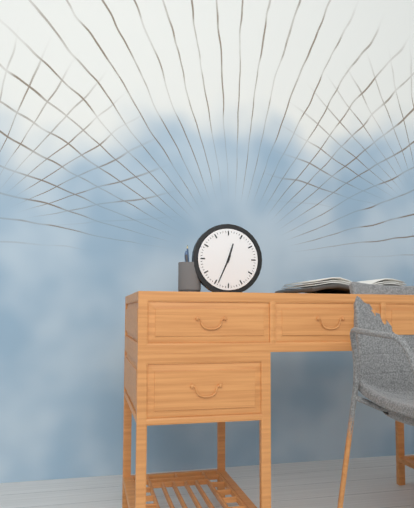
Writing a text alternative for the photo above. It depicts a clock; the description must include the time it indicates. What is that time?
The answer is 12:34
